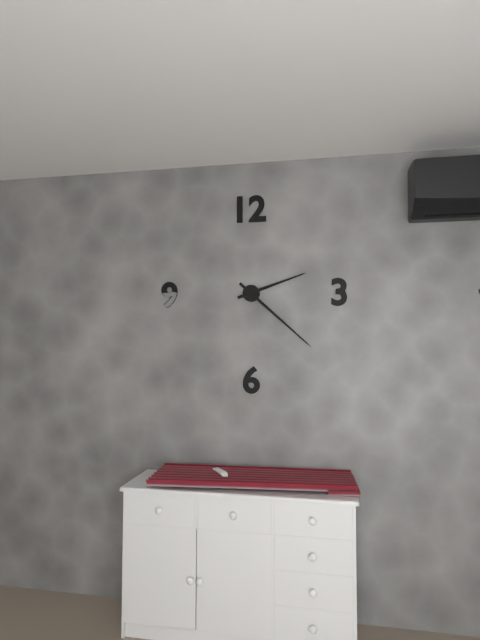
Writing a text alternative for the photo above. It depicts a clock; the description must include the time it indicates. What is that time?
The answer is 2:22
